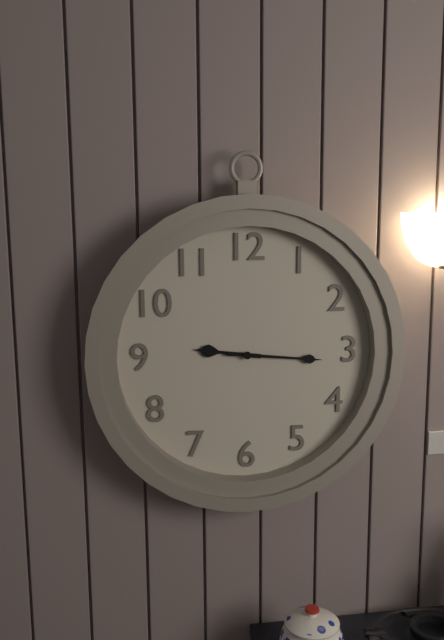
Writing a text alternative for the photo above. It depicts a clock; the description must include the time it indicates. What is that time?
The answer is 9:16
